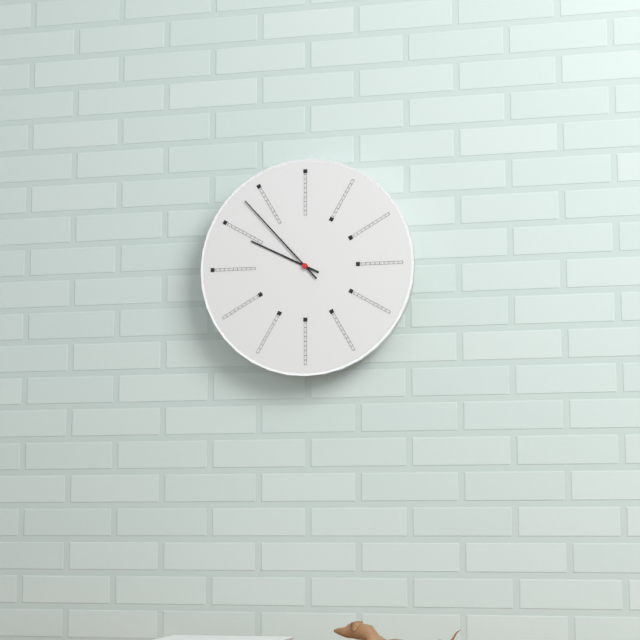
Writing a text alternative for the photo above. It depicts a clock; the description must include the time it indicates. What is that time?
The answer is 9:53
